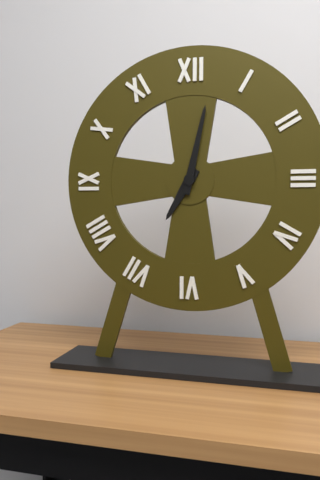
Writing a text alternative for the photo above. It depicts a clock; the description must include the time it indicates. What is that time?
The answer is 7:02
